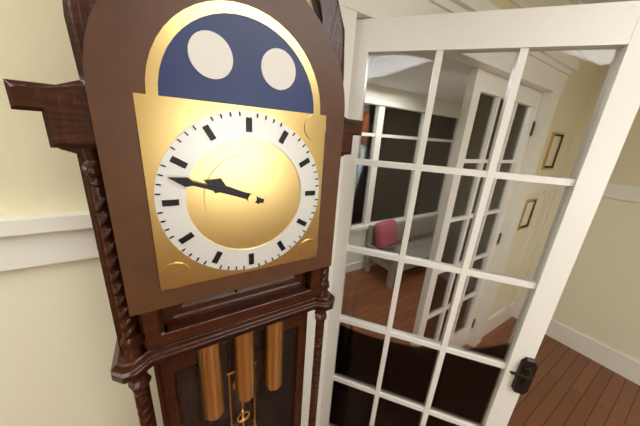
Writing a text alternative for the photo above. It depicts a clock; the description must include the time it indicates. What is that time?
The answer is 9:48
